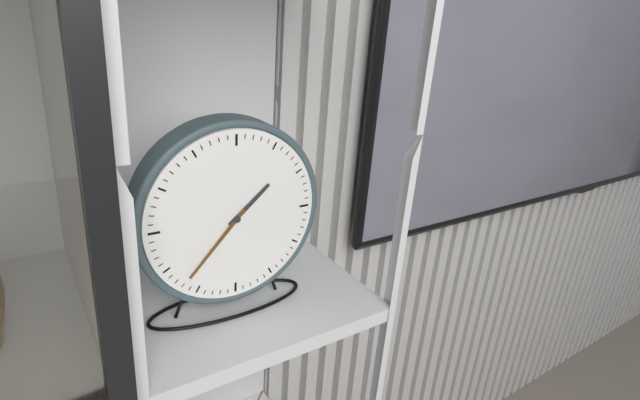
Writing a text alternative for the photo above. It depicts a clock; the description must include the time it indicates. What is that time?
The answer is 1:37
